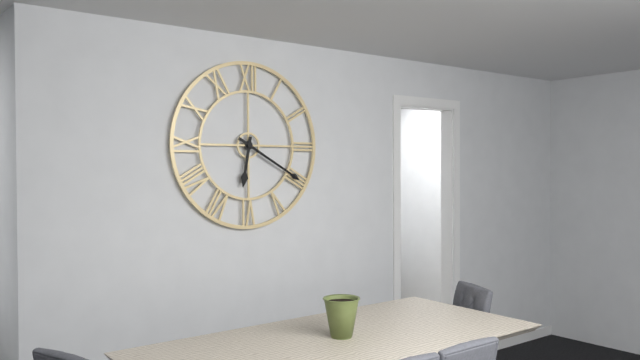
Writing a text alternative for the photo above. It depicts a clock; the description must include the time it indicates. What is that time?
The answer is 6:20
